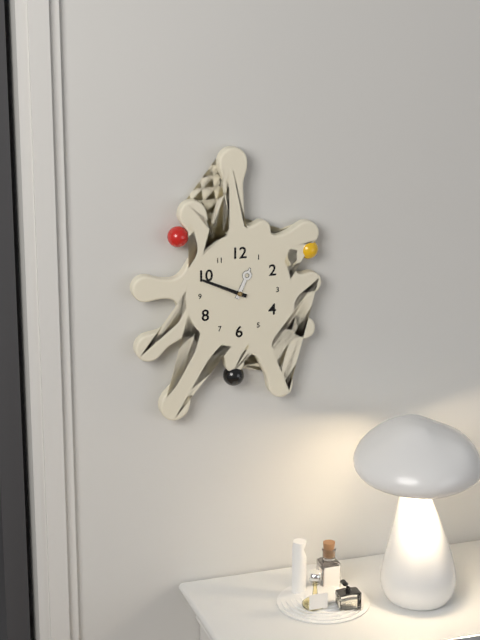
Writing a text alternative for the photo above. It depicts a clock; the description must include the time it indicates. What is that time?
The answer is 12:49
